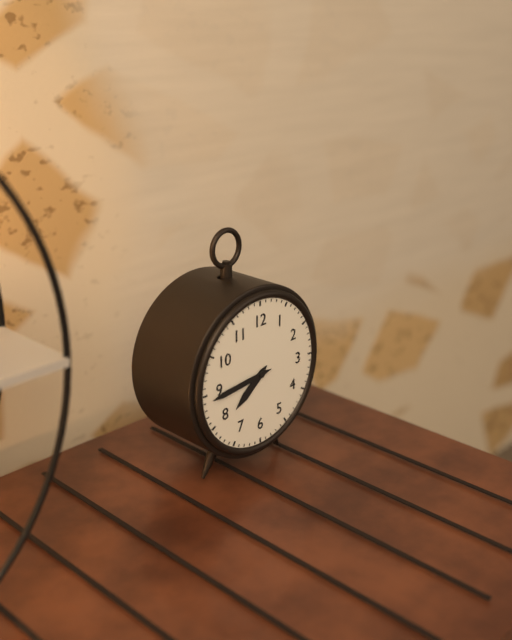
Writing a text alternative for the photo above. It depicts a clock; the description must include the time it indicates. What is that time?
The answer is 7:44
